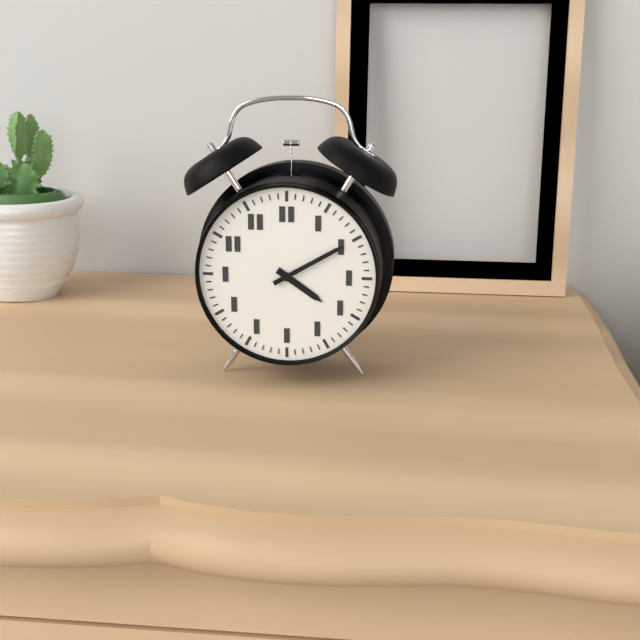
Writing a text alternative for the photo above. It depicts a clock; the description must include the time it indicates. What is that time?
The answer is 4:10
